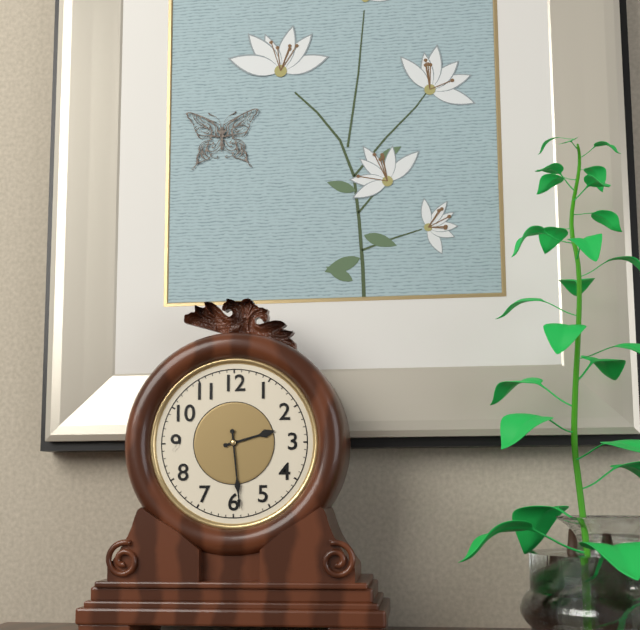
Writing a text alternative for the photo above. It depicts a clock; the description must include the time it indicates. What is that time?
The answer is 2:29
